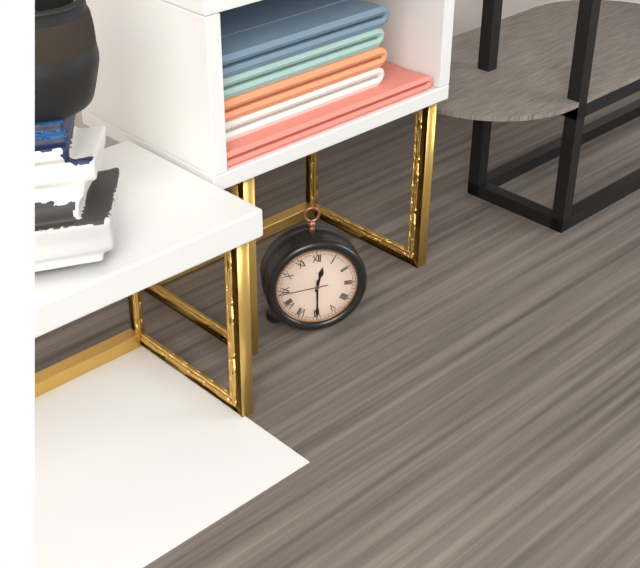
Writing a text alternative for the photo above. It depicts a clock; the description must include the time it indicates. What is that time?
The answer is 12:30:44
